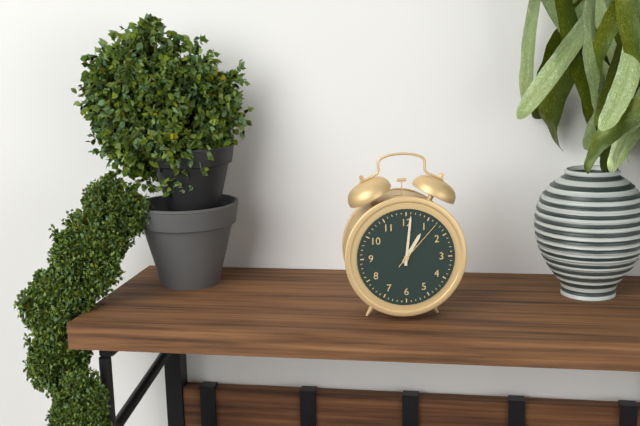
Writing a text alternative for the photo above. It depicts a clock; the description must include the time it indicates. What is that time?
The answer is 1:01:07
